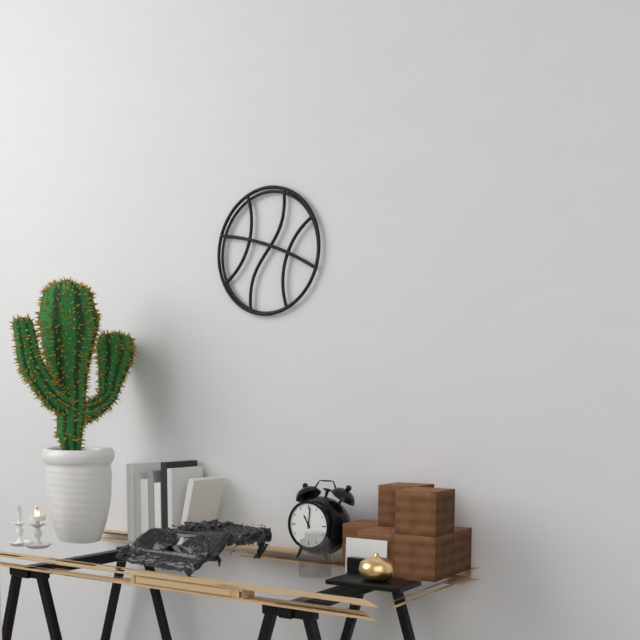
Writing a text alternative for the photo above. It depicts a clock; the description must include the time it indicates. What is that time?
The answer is 11:01
